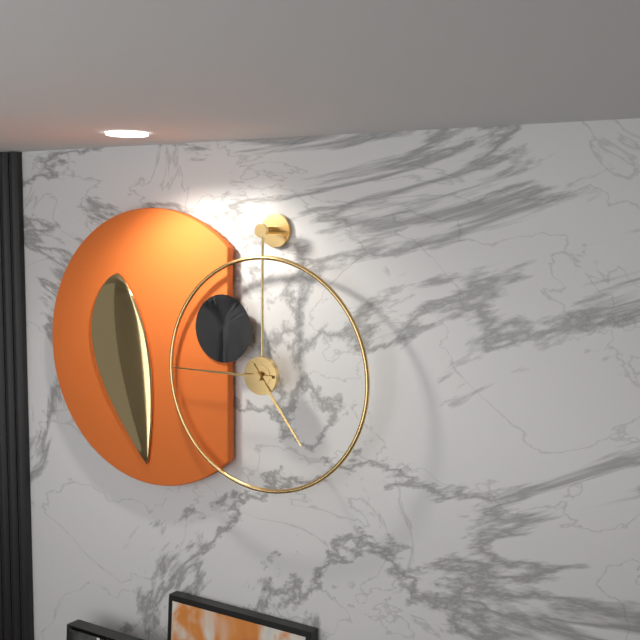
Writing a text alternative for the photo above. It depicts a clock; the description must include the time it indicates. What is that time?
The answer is 4:45
